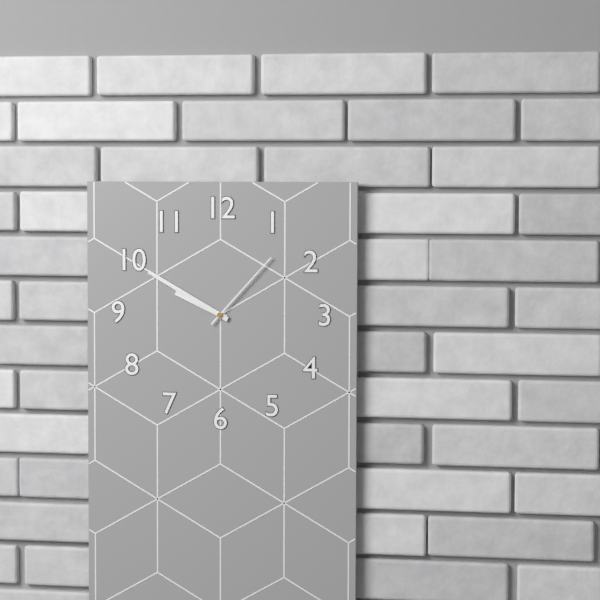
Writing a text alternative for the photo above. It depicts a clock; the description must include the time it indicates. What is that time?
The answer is 9:50:07
